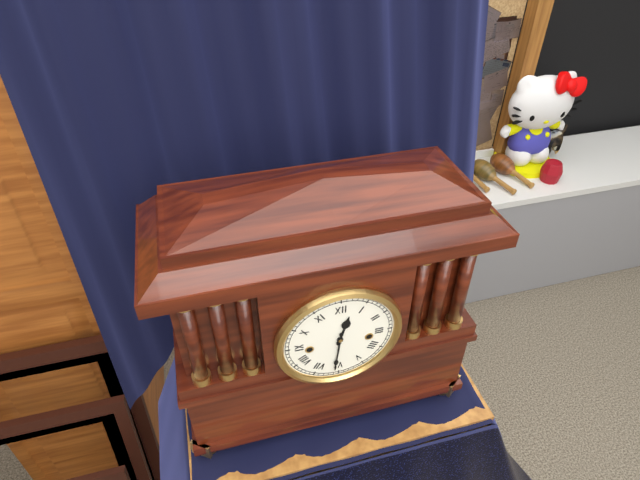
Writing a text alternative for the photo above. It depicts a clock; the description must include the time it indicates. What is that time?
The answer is 12:31
